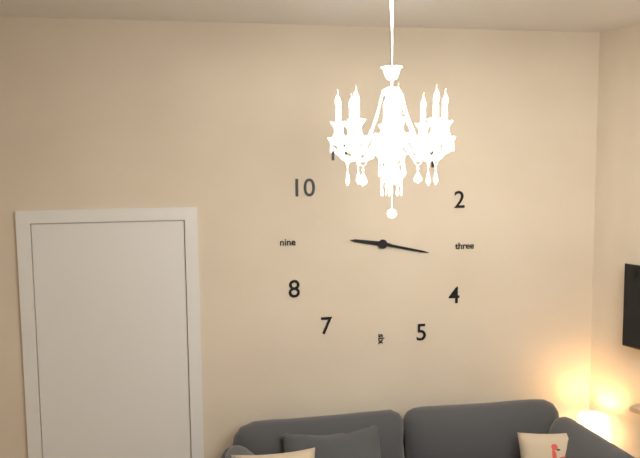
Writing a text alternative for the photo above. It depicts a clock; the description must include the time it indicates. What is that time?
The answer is 9:17
